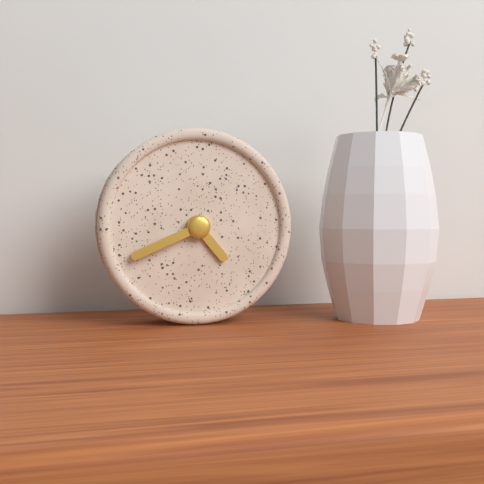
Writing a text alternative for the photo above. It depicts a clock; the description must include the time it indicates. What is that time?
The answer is 4:41
